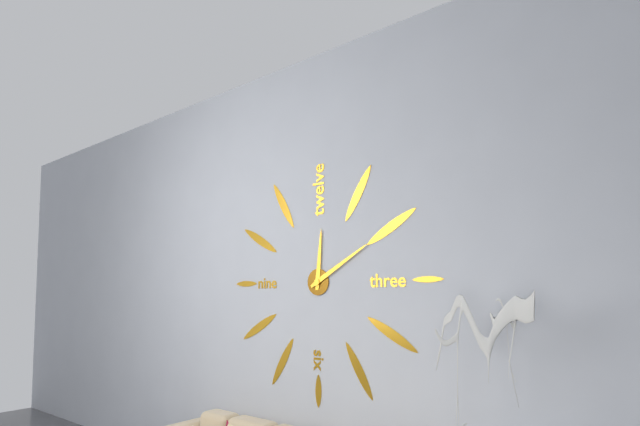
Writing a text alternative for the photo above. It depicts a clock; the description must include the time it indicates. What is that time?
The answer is 12:10
